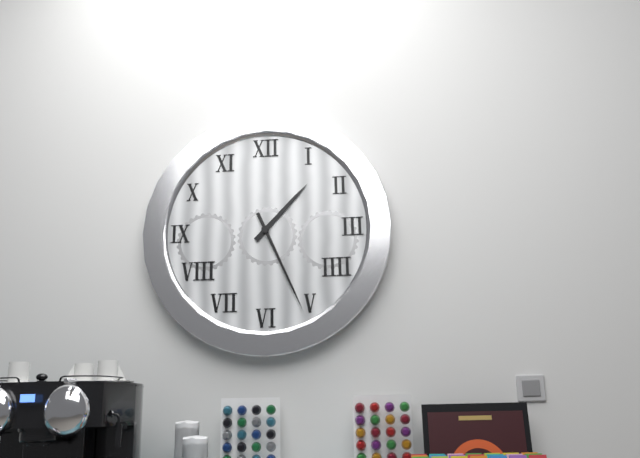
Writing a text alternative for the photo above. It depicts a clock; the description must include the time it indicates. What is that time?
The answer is 1:26
